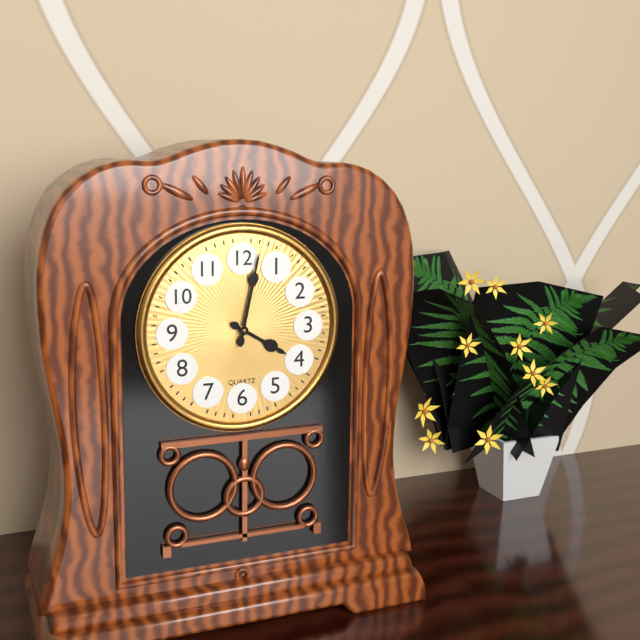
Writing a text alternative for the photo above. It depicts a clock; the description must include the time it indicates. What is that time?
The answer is 4:02
